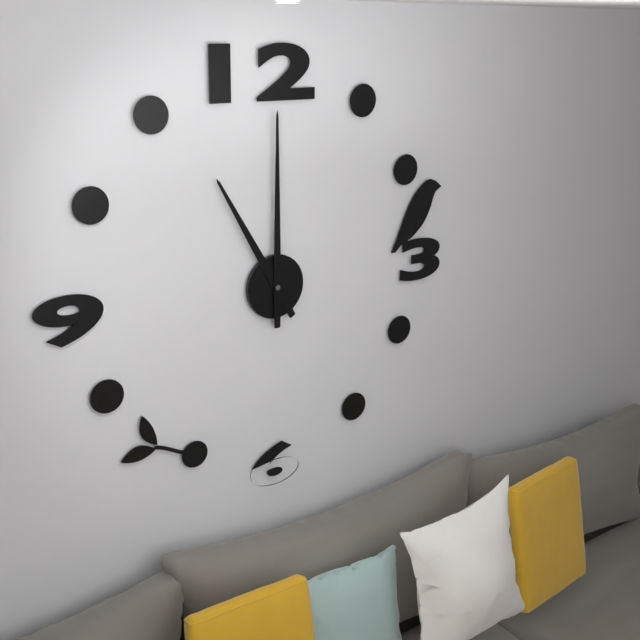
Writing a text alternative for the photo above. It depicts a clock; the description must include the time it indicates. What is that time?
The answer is 11:00
